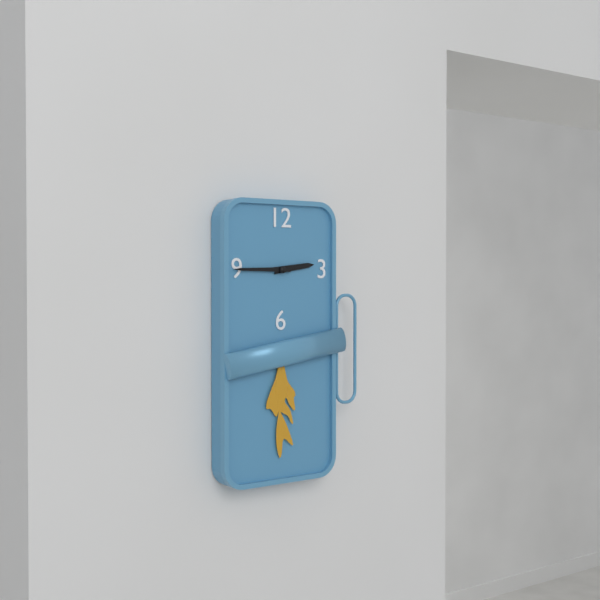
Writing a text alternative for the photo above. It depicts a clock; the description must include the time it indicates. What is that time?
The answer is 2:45
